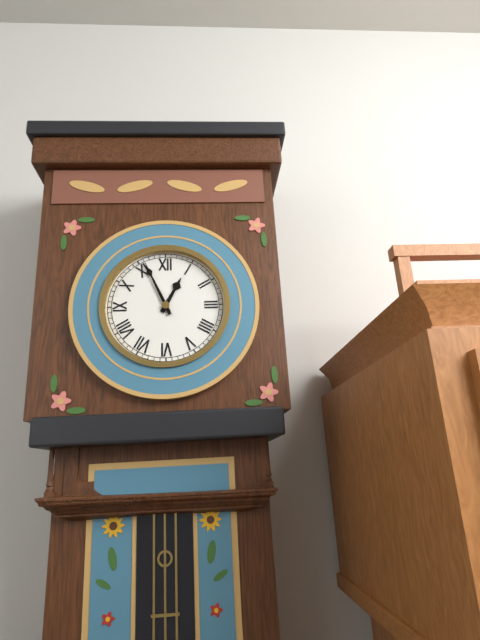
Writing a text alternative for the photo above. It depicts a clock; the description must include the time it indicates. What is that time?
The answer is 12:56
